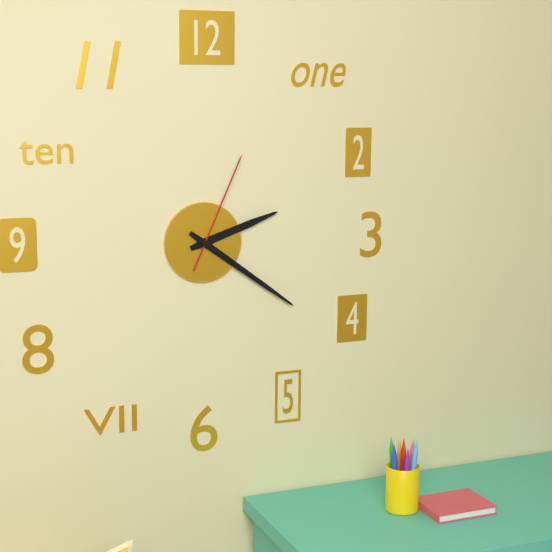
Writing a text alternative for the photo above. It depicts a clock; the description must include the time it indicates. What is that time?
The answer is 2:21:04
